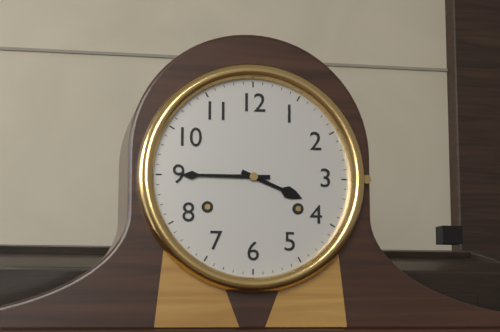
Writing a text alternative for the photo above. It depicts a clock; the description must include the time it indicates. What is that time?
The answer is 3:45
